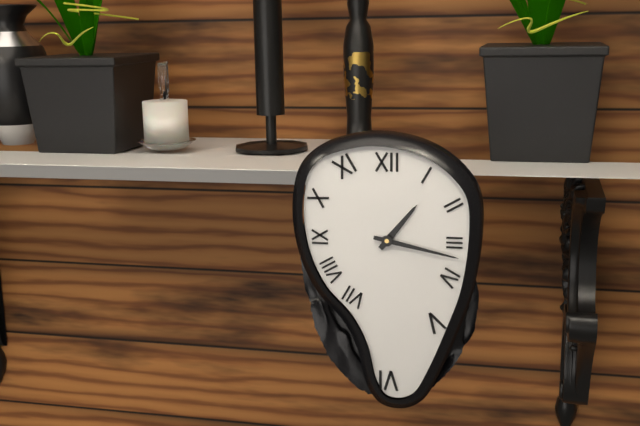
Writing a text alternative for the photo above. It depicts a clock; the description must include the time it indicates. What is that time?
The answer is 1:17
